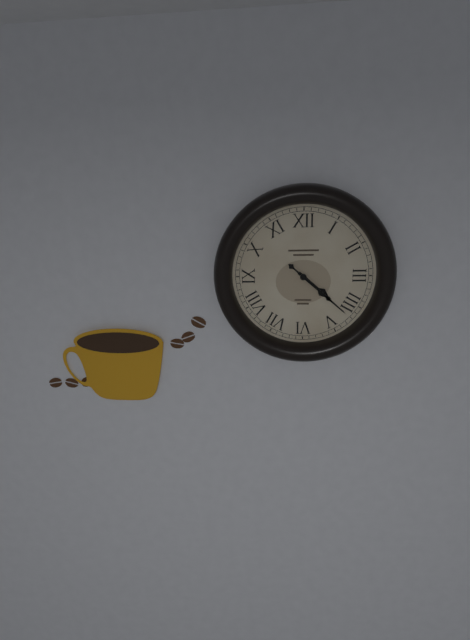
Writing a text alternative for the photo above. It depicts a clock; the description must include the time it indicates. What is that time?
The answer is 4:22
